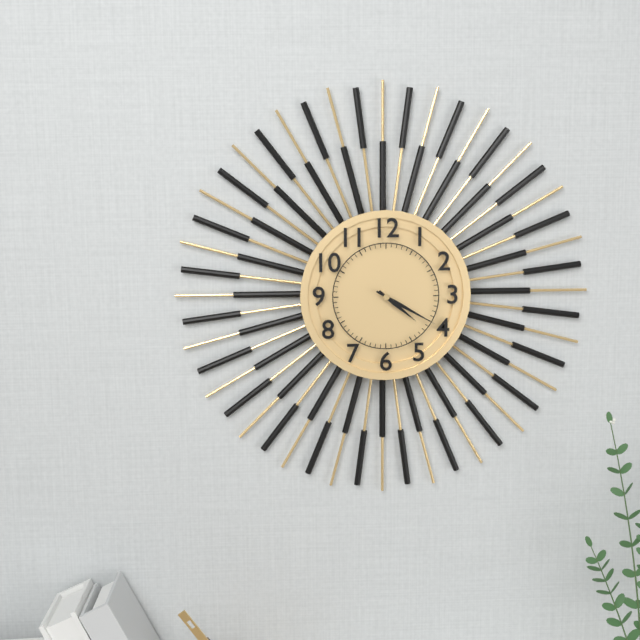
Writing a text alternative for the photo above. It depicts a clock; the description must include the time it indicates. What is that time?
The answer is 4:20
